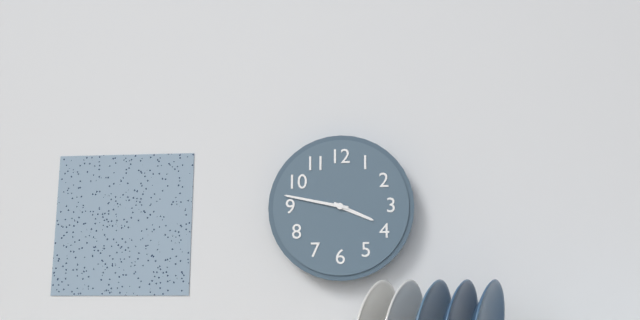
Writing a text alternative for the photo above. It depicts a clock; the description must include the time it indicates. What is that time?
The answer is 3:47
